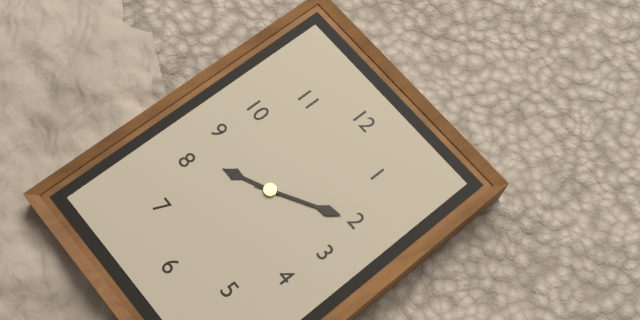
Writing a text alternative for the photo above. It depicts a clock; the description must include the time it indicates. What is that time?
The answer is 8:10
